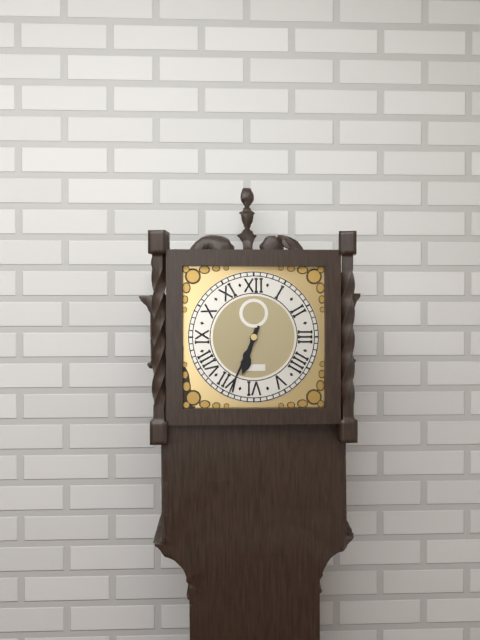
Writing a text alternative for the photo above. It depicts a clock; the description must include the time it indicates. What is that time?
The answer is 6:34
